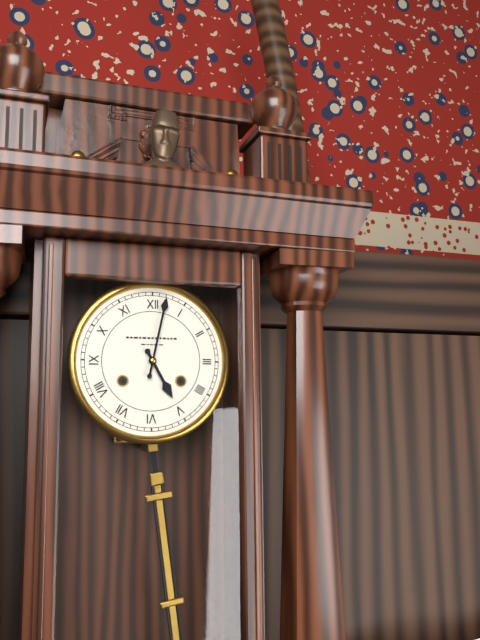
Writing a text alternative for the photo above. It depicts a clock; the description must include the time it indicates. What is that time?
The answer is 5:02
